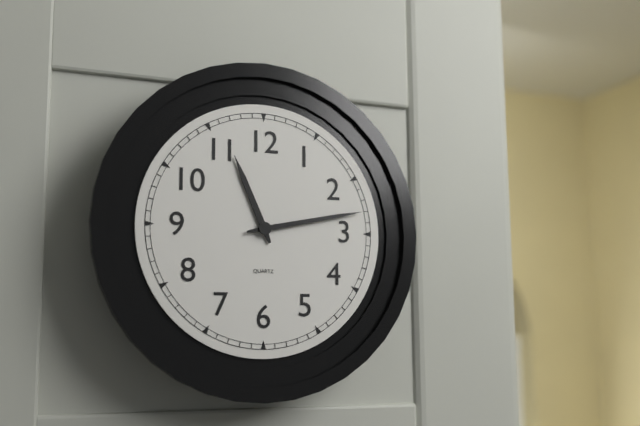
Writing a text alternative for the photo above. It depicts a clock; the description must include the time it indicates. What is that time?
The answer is 11:13
